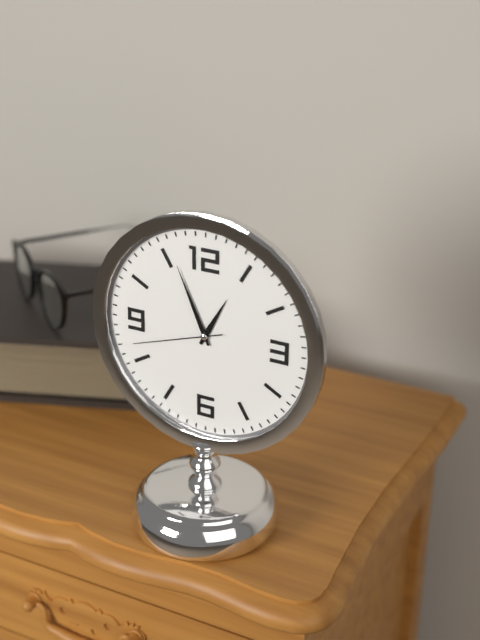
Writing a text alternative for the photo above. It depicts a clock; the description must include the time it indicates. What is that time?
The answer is 12:56:42
